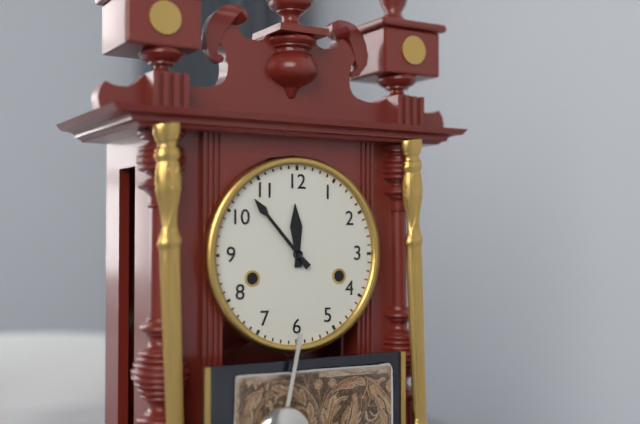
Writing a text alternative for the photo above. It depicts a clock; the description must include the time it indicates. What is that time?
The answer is 11:53
